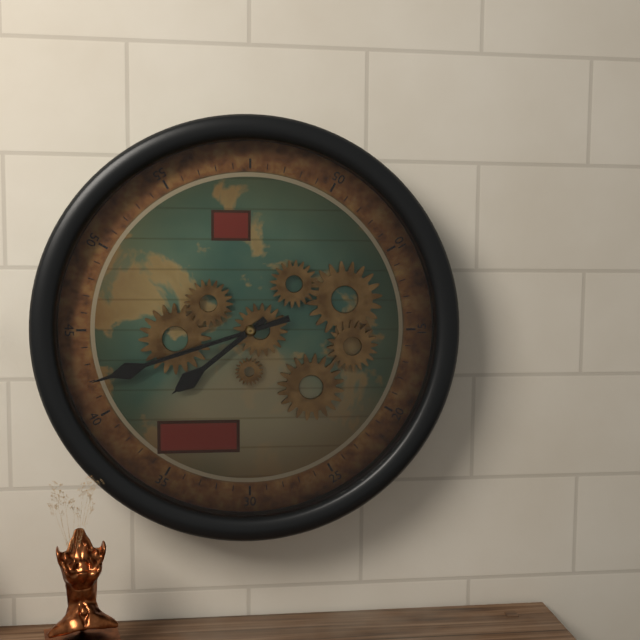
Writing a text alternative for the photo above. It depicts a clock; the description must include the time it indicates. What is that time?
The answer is 7:42
